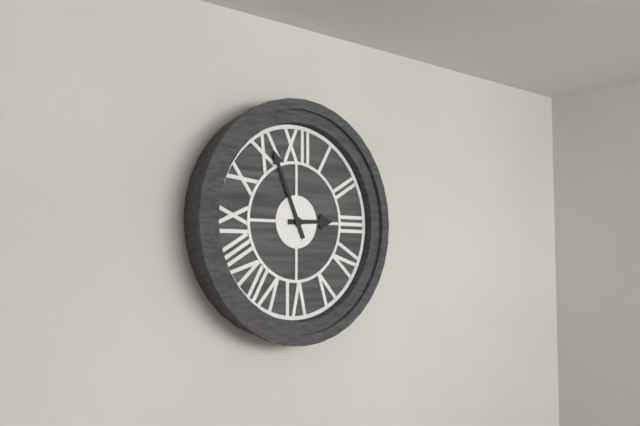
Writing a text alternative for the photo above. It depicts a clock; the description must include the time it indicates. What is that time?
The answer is 2:56
